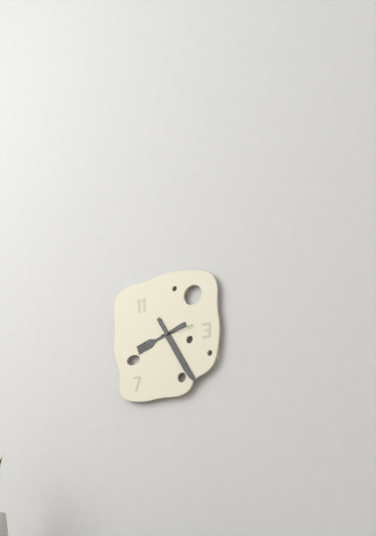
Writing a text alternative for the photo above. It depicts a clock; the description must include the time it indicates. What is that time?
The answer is 8:25
